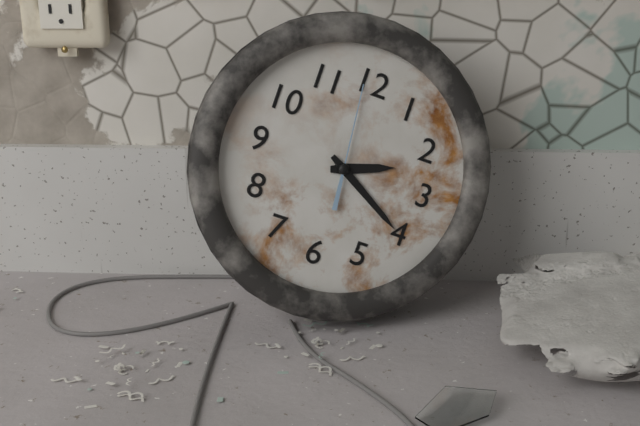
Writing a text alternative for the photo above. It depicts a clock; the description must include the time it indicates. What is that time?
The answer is 2:20:59
